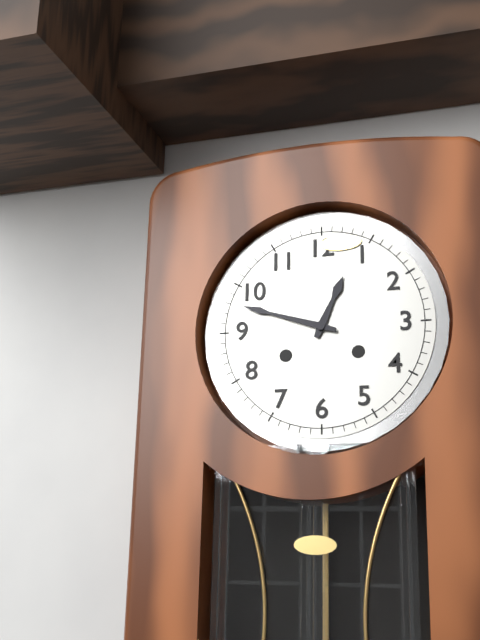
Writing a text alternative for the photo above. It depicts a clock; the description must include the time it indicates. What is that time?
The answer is 12:48
